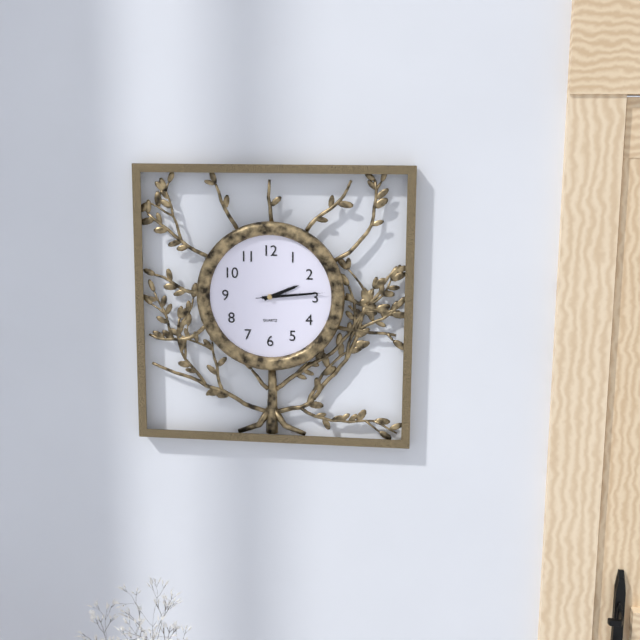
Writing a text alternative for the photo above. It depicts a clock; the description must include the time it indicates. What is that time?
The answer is 2:14:14
